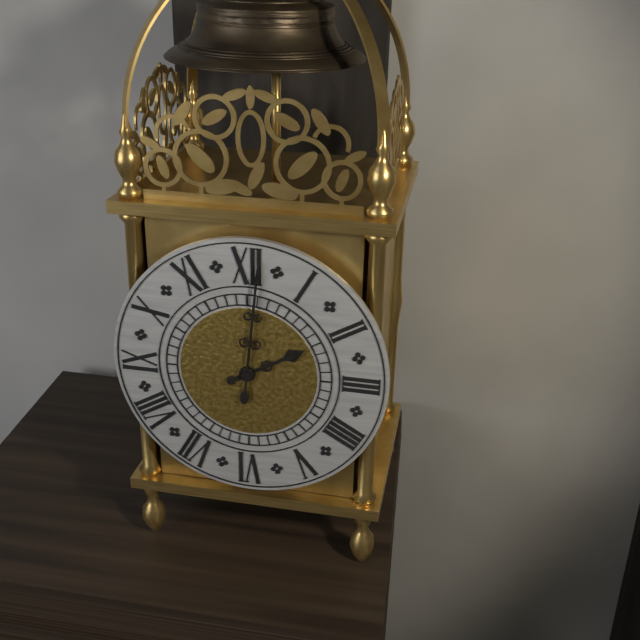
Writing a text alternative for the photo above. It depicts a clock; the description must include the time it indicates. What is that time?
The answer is 2:01
